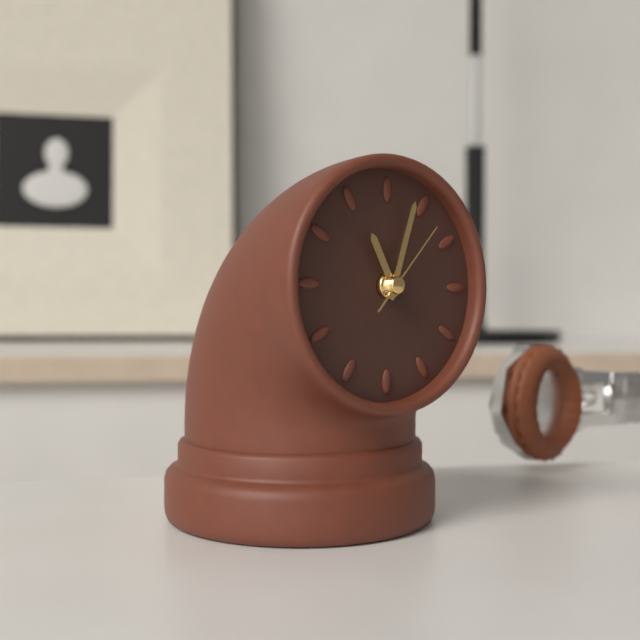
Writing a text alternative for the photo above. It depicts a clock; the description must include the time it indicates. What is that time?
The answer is 11:03:07
